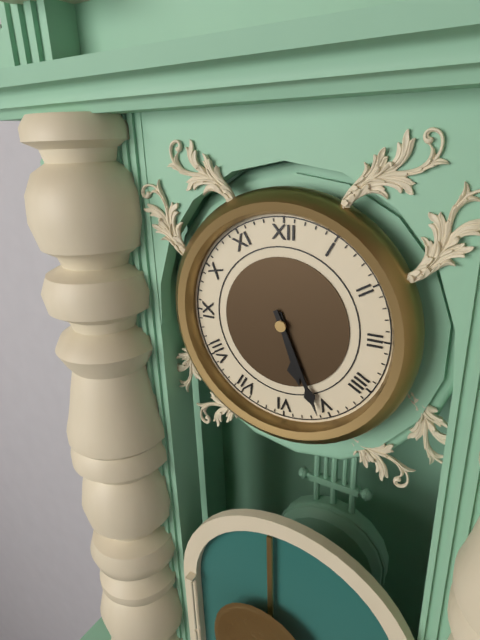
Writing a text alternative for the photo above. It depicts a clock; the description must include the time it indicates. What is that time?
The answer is 5:26
